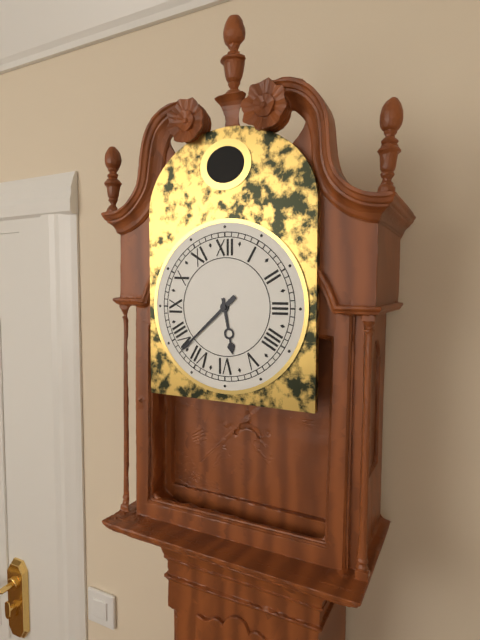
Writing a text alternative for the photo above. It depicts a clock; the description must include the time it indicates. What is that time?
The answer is 5:38
